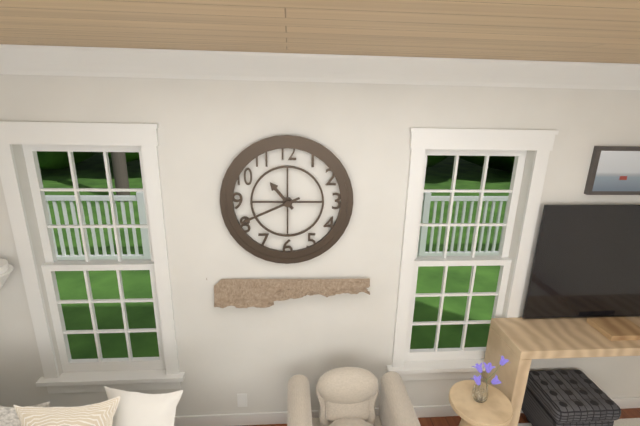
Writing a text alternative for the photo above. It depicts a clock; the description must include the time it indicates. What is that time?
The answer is 10:41
